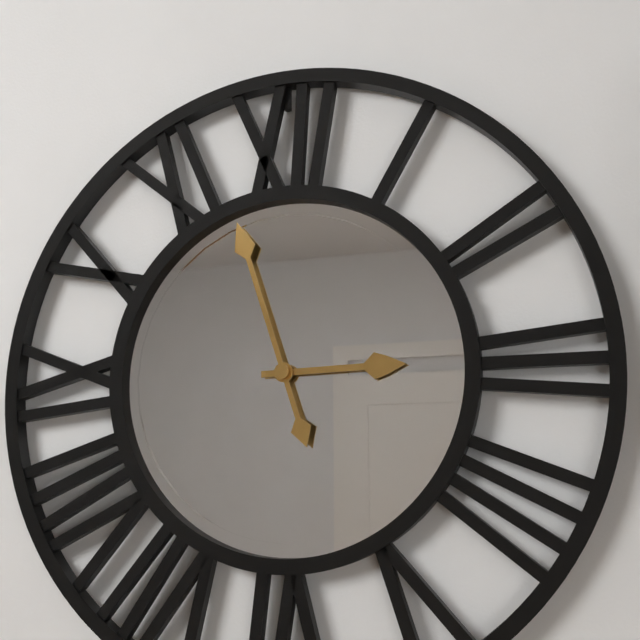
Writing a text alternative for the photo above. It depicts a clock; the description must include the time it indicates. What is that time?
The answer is 2:57
